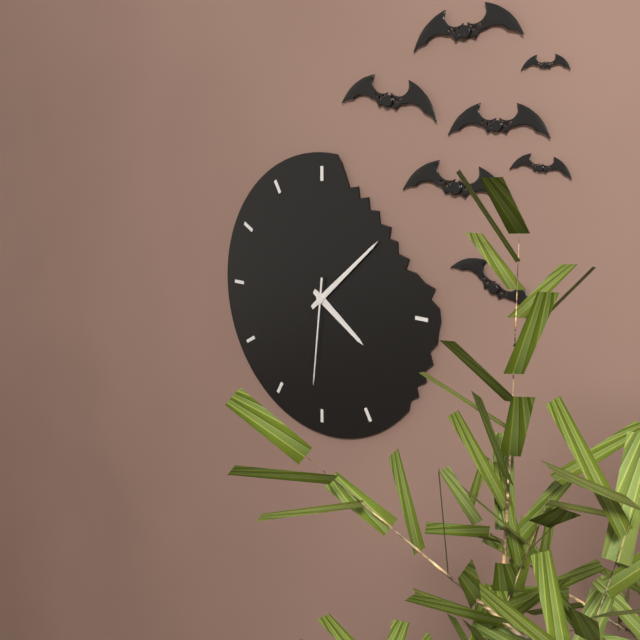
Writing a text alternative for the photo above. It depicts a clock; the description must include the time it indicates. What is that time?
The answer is 4:08:31
